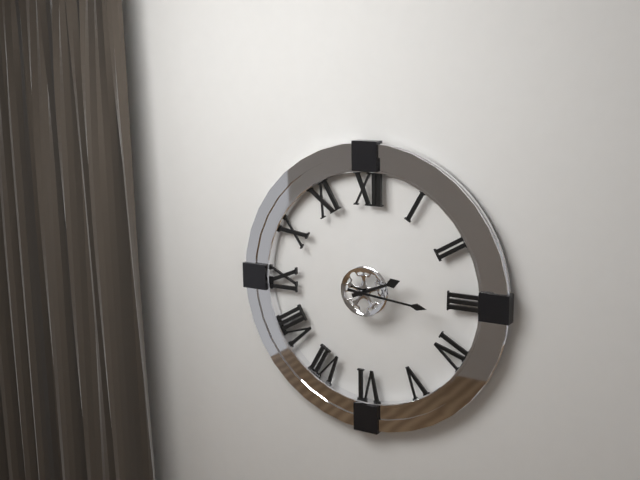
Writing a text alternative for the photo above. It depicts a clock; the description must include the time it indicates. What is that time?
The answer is 2:16
